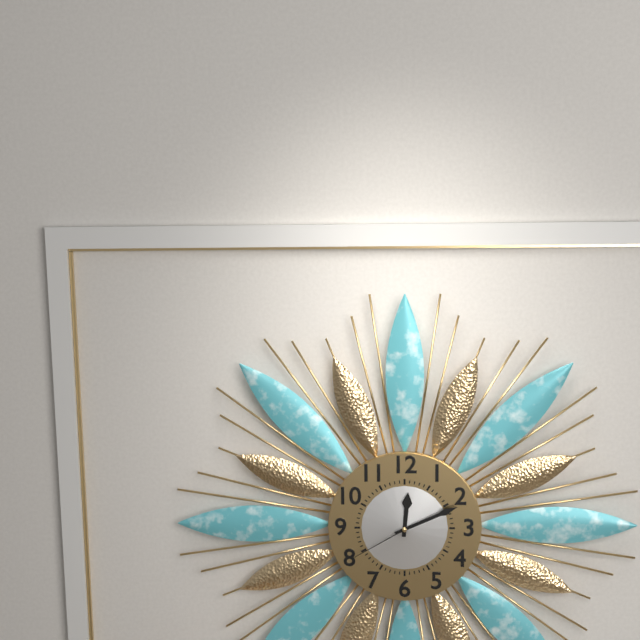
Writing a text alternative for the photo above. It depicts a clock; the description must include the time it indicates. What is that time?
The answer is 12:11:40
